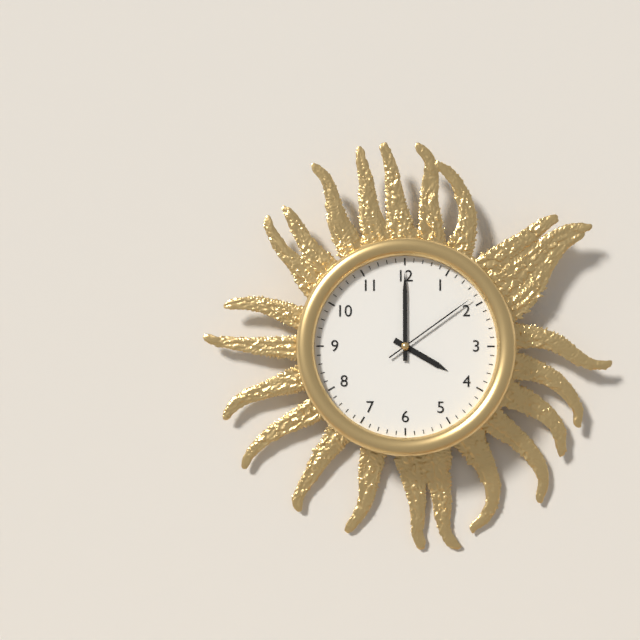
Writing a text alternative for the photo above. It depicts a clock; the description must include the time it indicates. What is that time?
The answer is 4:00:09
